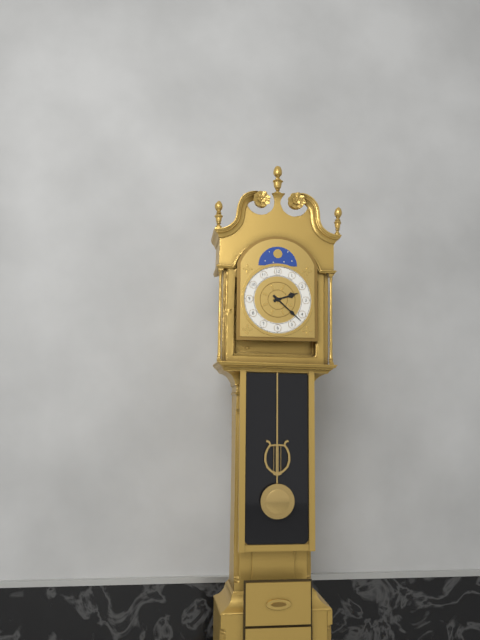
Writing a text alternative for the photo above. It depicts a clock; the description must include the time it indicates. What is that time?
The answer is 2:22
